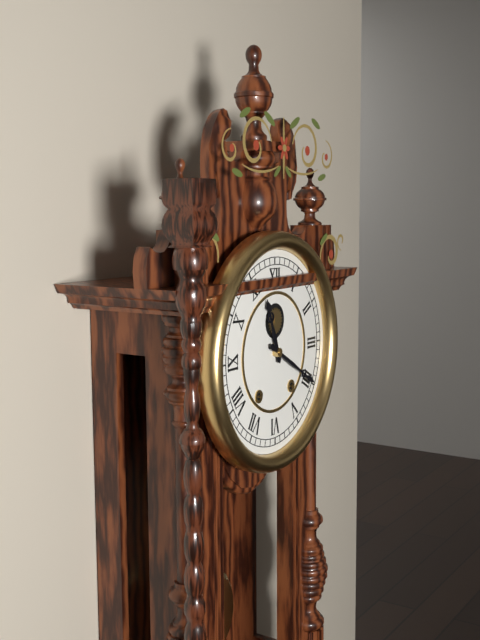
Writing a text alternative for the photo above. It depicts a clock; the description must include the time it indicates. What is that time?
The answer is 11:20
